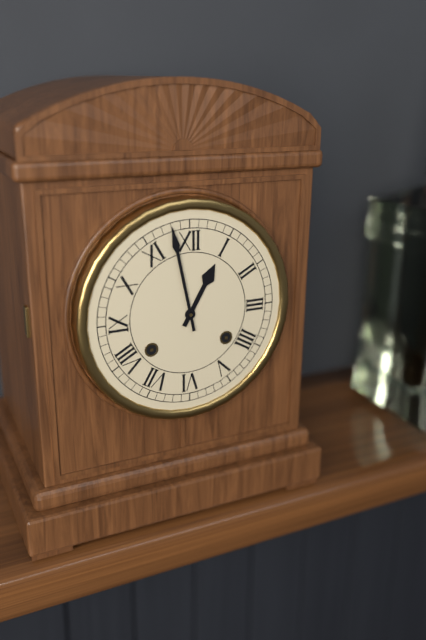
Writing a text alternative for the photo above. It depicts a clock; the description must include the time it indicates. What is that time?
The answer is 12:58
